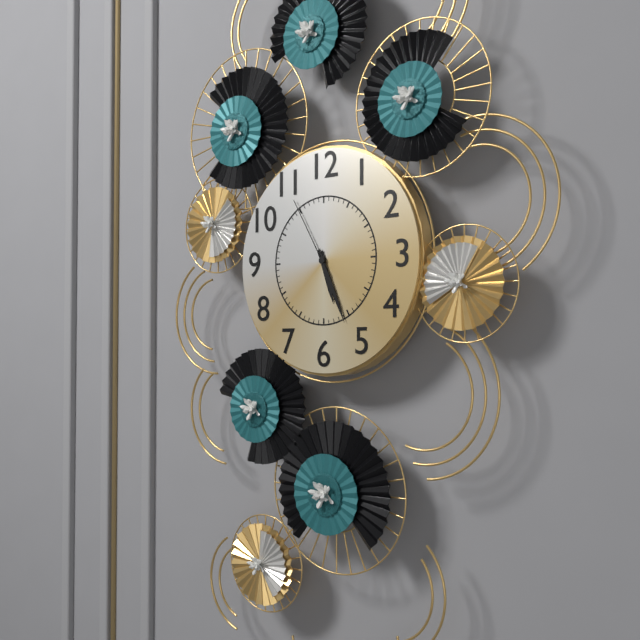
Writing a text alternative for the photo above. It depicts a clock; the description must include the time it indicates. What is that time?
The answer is 5:26:55
